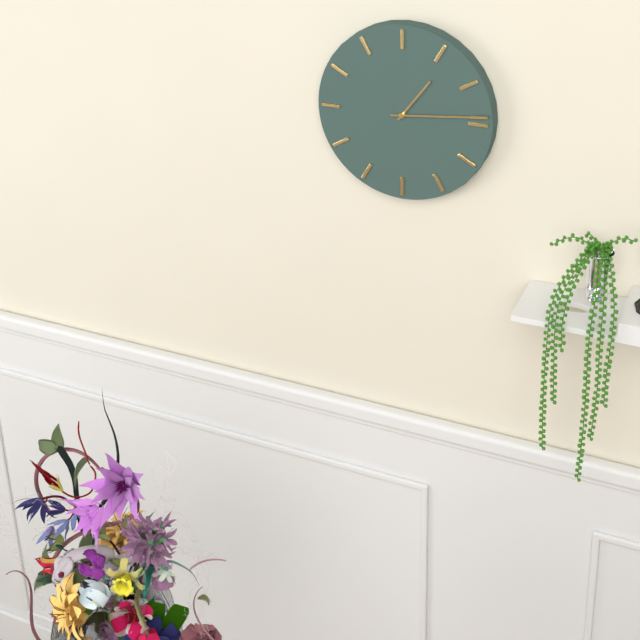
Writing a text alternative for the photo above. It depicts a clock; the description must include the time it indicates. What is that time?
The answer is 1:14
